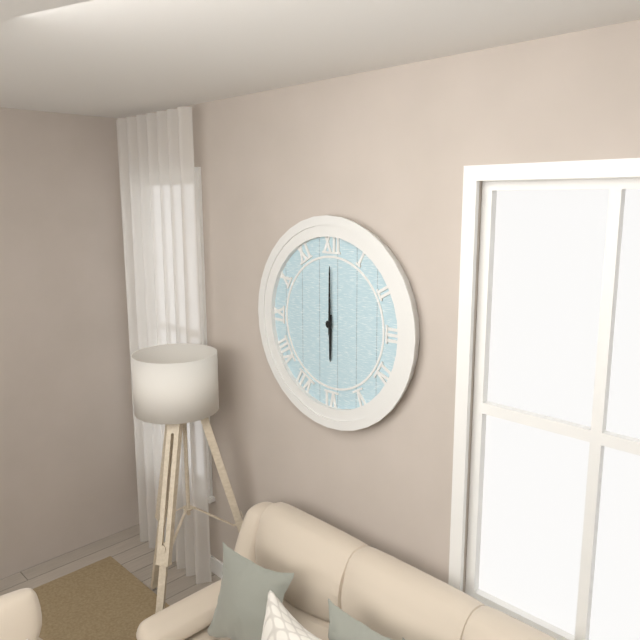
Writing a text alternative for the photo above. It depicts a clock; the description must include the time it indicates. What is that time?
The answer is 6:00
